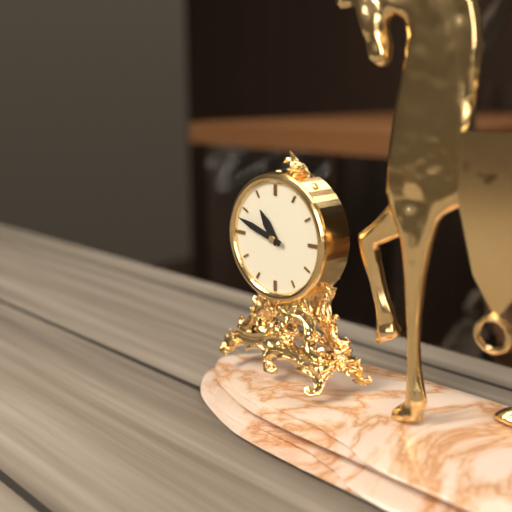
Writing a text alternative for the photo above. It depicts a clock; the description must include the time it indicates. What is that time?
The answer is 10:48
